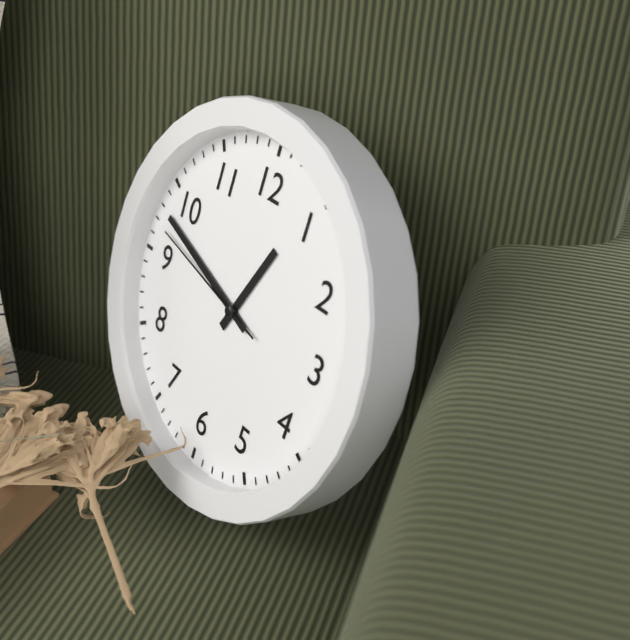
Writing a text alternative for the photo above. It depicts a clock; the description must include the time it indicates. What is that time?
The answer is 12:48:47
